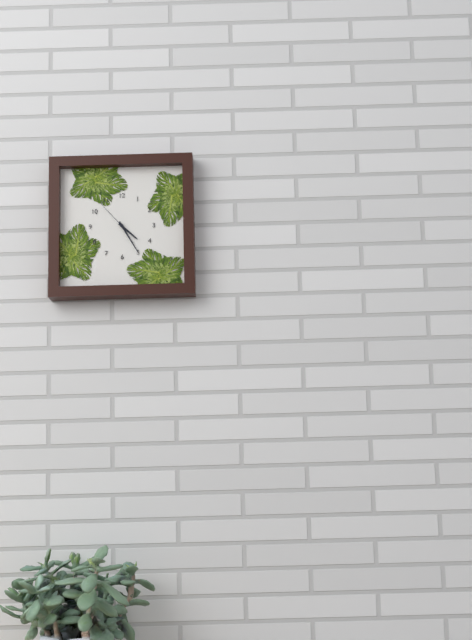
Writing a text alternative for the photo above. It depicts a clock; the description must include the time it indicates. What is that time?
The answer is 4:25
